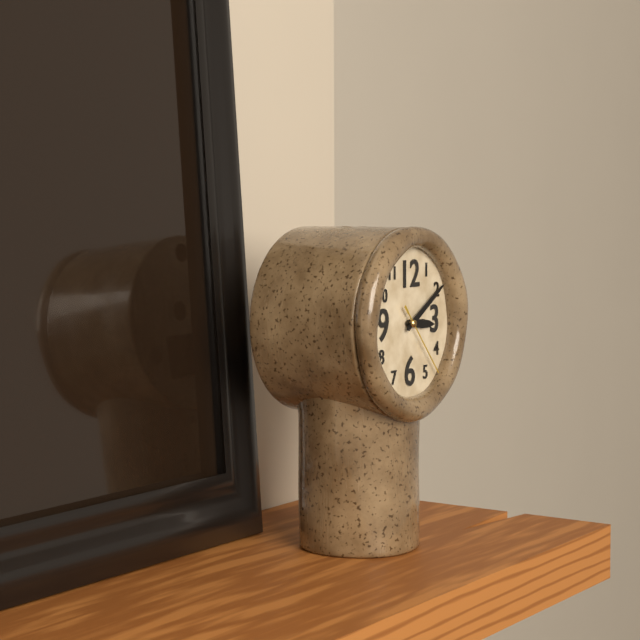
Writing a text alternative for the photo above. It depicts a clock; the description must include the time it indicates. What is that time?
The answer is 3:10:23
